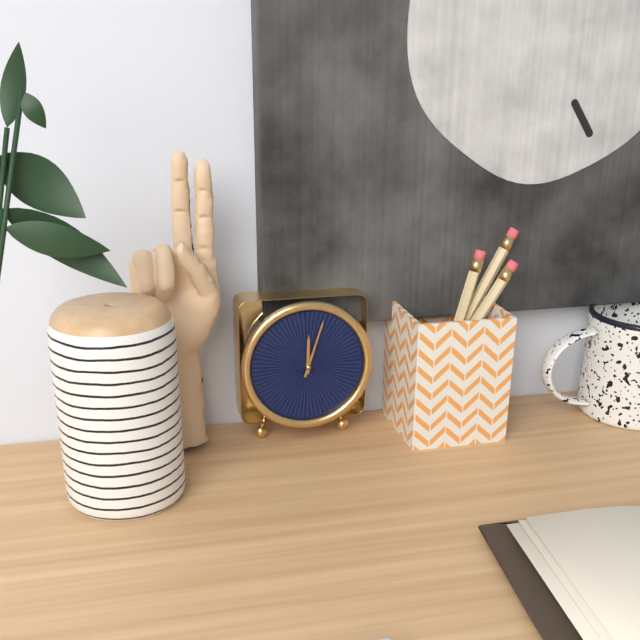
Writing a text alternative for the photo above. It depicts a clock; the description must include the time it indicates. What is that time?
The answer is 12:03
